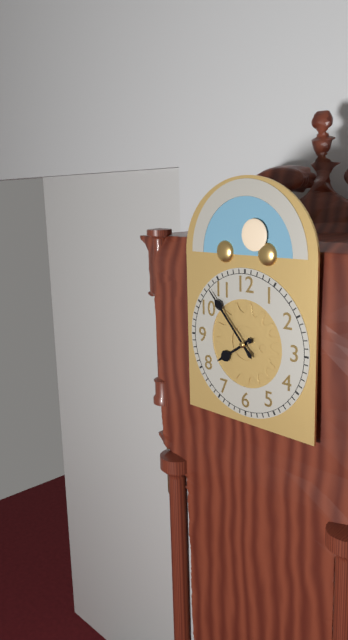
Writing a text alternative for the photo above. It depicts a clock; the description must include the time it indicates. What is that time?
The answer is 7:53
